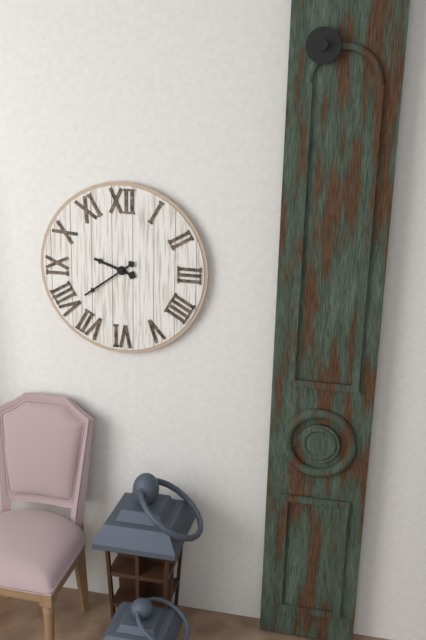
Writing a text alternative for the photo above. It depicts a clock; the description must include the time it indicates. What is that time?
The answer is 9:39
